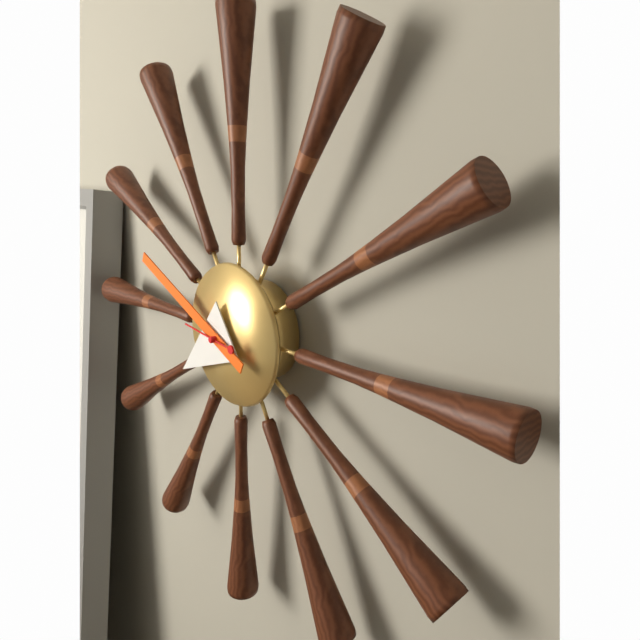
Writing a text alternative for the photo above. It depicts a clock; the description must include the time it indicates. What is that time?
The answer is 7:49:46
